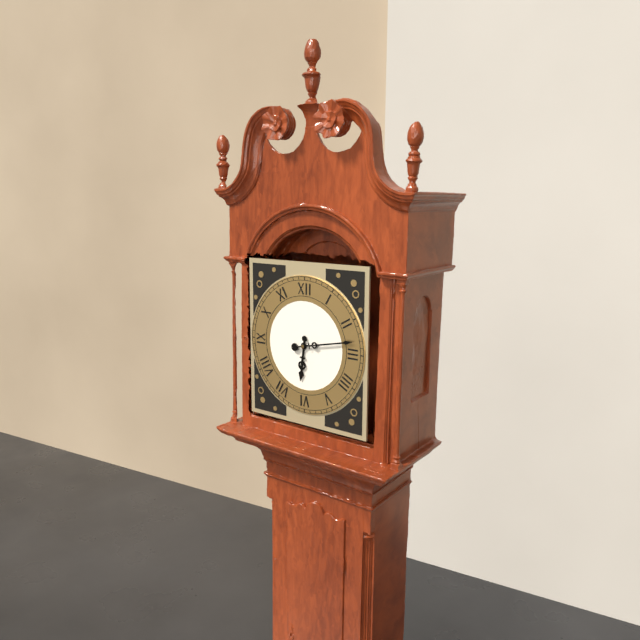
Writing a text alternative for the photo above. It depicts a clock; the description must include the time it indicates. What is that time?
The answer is 6:13
